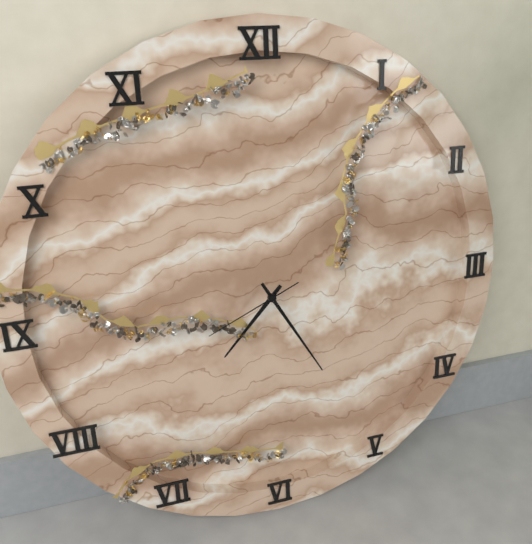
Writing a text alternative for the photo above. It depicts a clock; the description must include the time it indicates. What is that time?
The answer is 7:25:41
